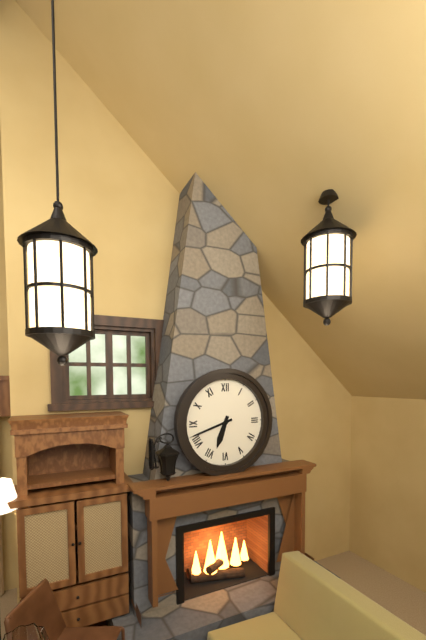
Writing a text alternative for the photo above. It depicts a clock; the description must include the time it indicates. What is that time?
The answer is 6:42
